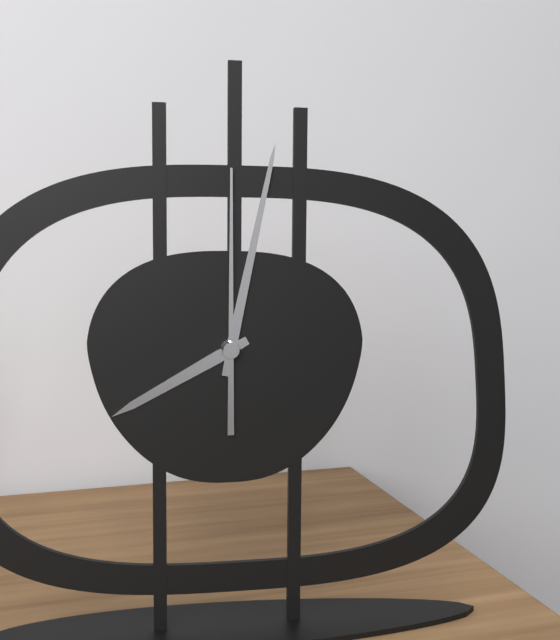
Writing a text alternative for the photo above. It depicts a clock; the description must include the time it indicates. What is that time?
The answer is 8:02:00
